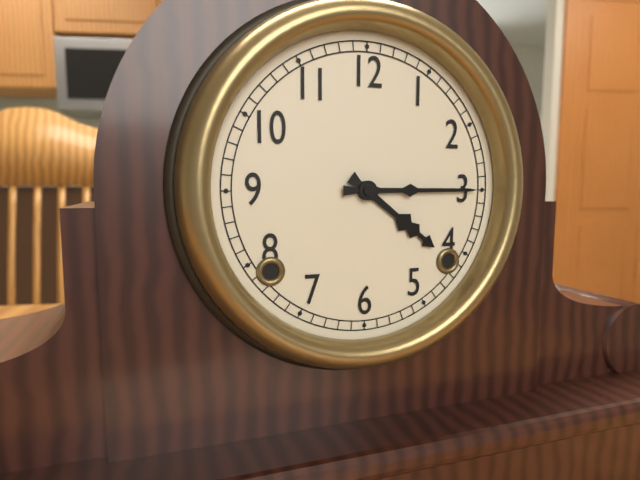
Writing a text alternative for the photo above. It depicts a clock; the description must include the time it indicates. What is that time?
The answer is 4:15
